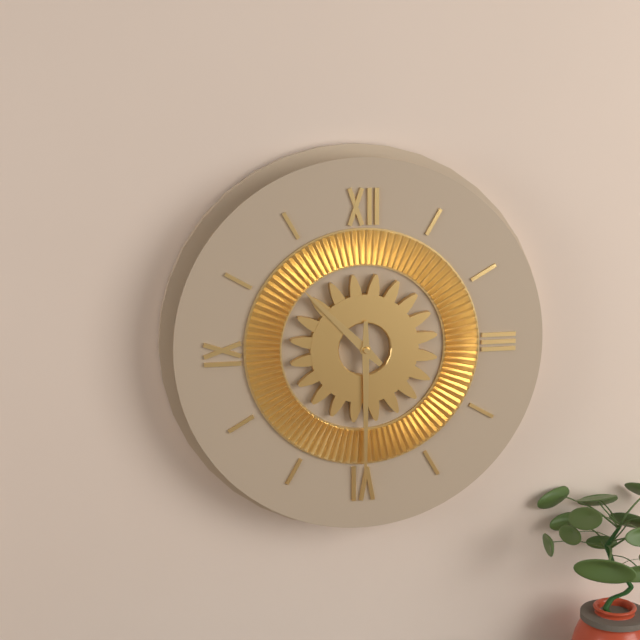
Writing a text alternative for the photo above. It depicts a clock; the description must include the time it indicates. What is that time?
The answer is 10:30
